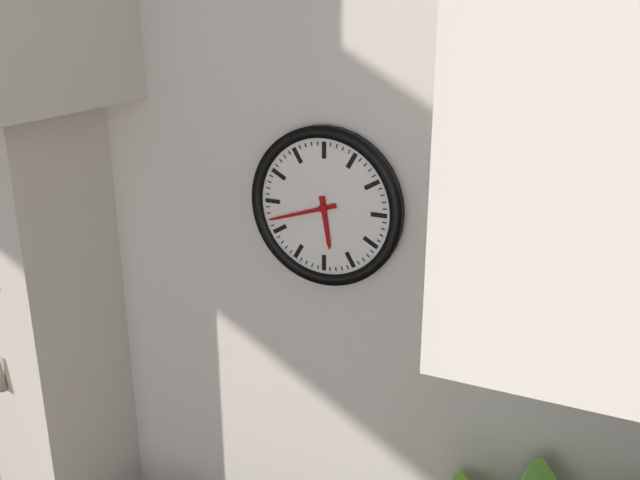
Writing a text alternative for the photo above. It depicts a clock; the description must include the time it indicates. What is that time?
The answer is 5:42
